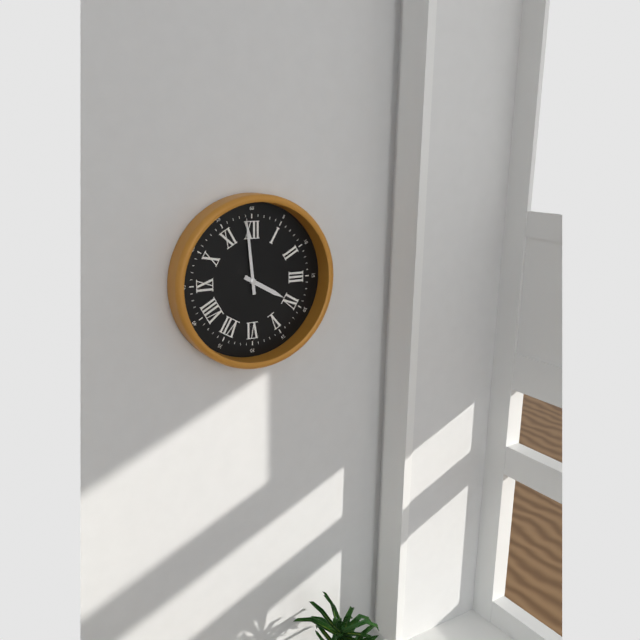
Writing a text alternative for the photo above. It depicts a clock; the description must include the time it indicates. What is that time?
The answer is 3:59
